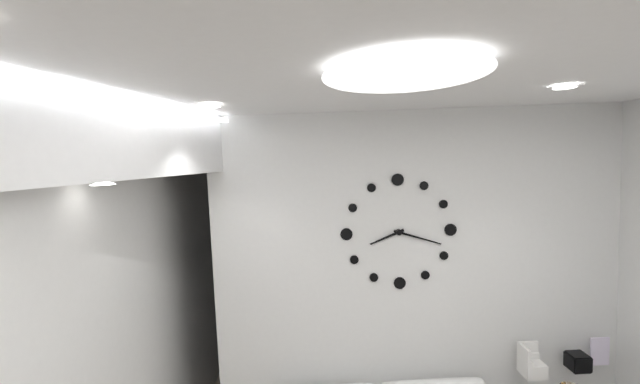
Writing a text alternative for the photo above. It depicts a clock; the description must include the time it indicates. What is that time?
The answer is 8:18
